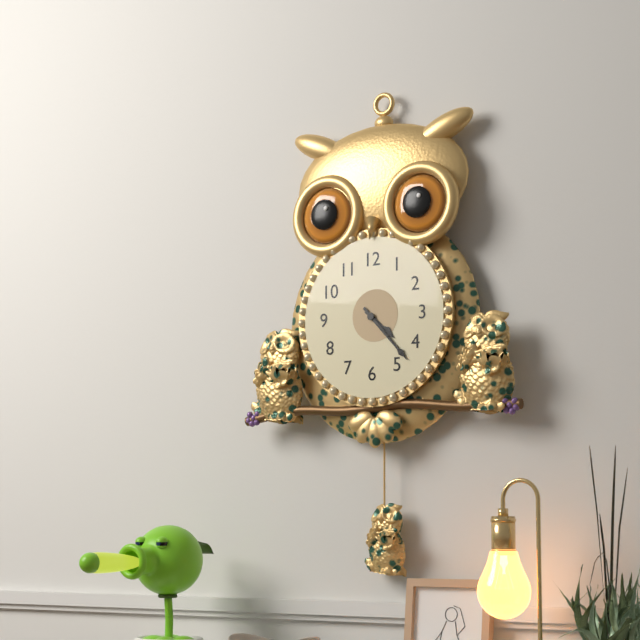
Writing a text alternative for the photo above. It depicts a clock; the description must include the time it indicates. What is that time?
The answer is 4:23
